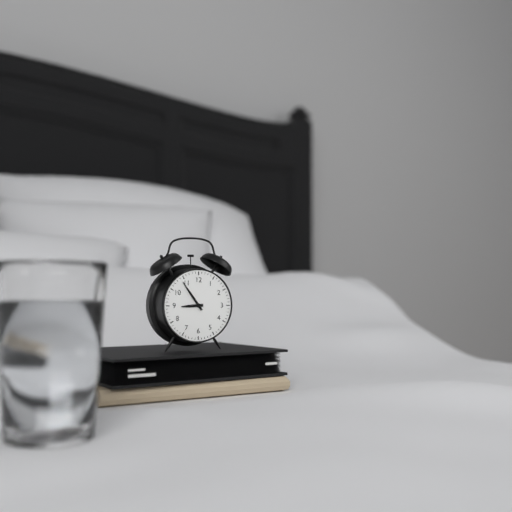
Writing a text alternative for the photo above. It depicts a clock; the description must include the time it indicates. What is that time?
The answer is 8:54
